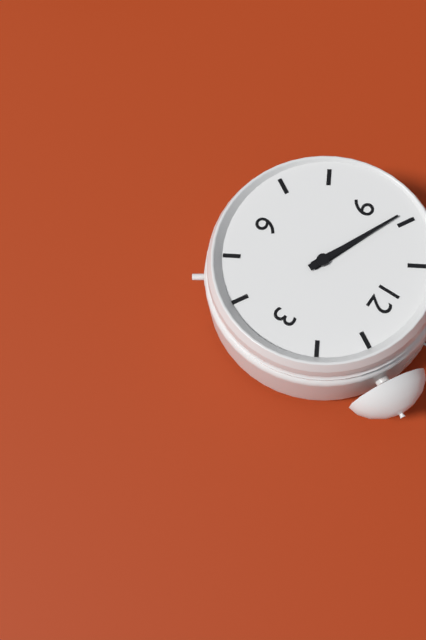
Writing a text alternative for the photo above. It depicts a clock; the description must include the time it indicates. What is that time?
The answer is 9:49
